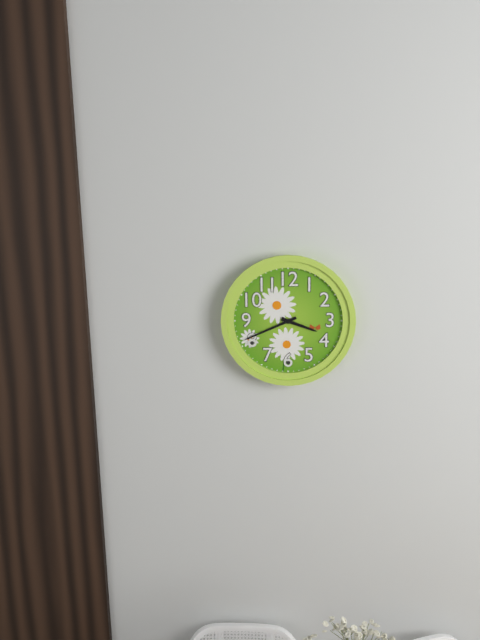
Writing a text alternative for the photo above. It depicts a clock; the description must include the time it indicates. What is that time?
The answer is 3:41
